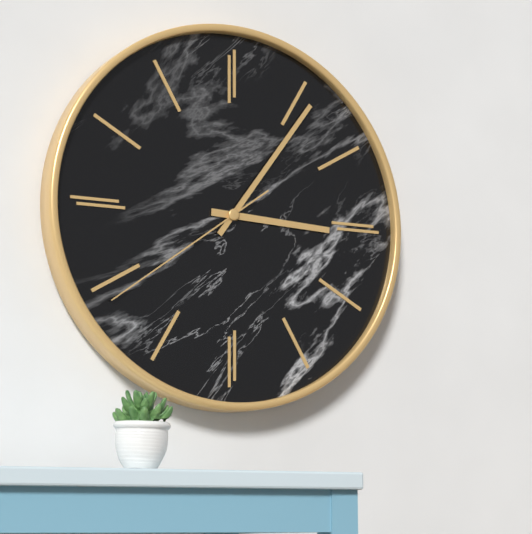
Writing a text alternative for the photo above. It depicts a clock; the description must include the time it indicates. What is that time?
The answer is 3:06:39
